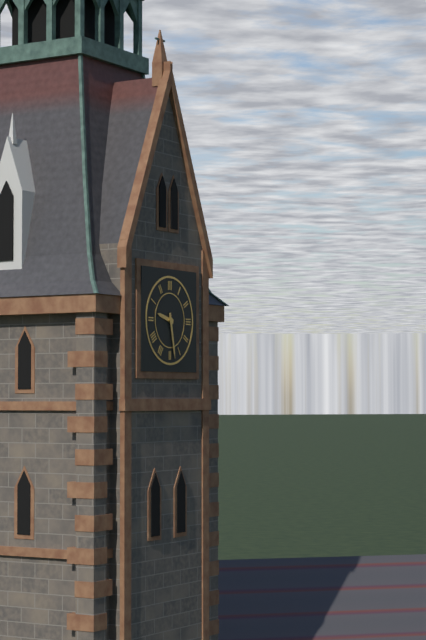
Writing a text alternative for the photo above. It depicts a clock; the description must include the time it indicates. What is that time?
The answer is 9:28
